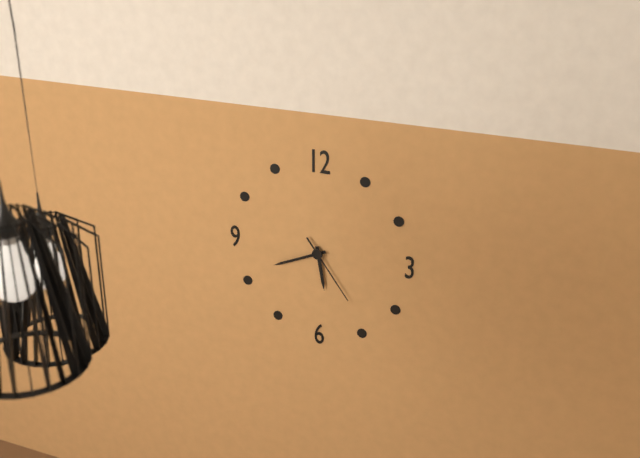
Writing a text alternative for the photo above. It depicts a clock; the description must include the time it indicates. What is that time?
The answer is 5:41:24
